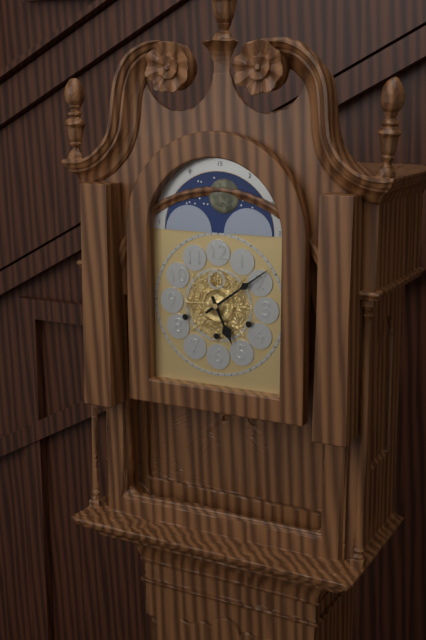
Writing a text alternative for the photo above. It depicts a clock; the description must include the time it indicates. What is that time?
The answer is 5:09
